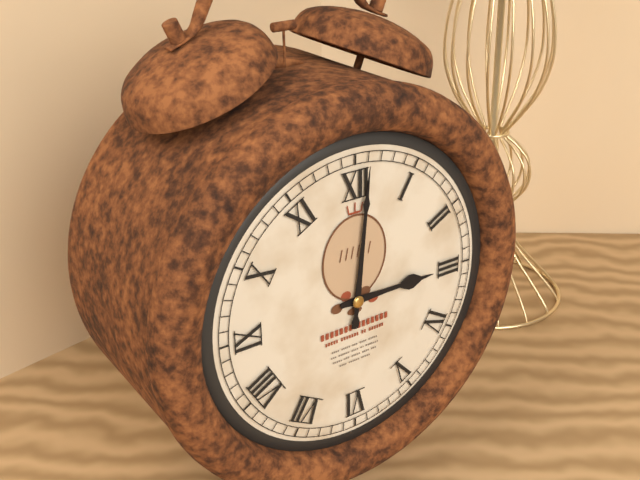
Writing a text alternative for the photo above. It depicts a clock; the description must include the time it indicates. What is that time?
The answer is 3:01
